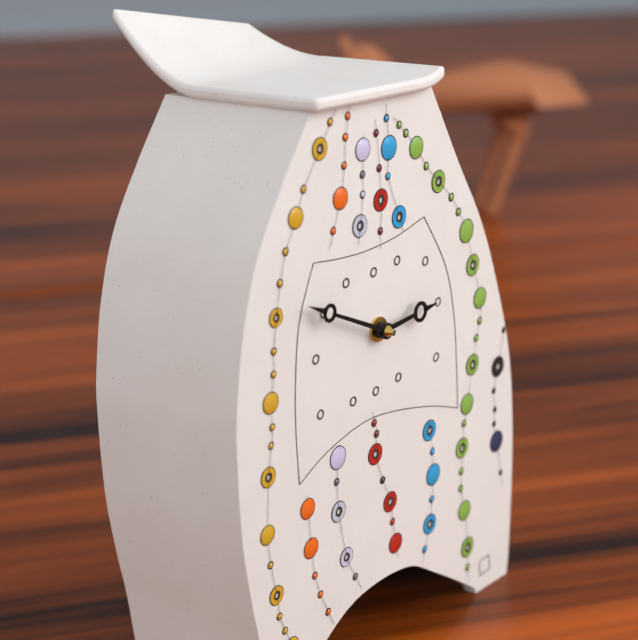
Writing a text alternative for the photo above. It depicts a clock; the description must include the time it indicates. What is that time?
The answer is 2:49
